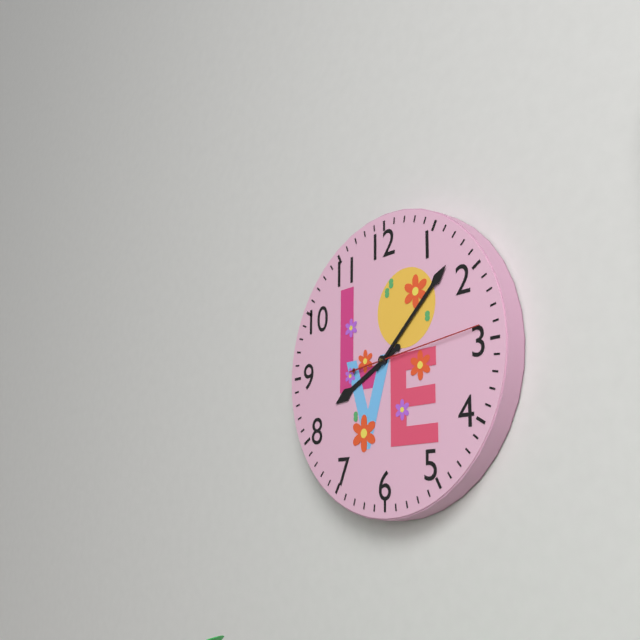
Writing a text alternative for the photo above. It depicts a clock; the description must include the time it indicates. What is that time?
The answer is 8:08:14
